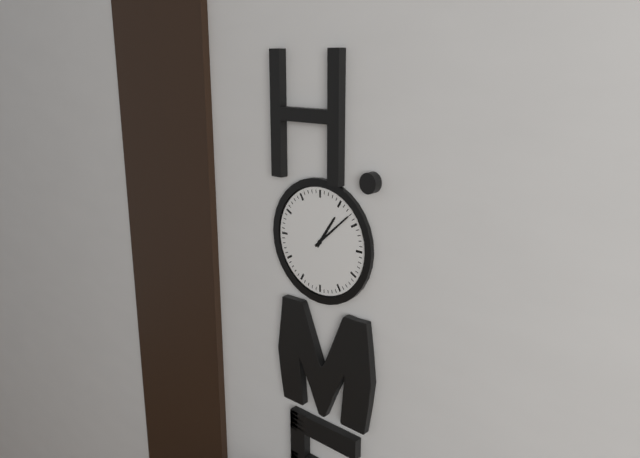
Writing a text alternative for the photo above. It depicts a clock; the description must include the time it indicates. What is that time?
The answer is 1:08
